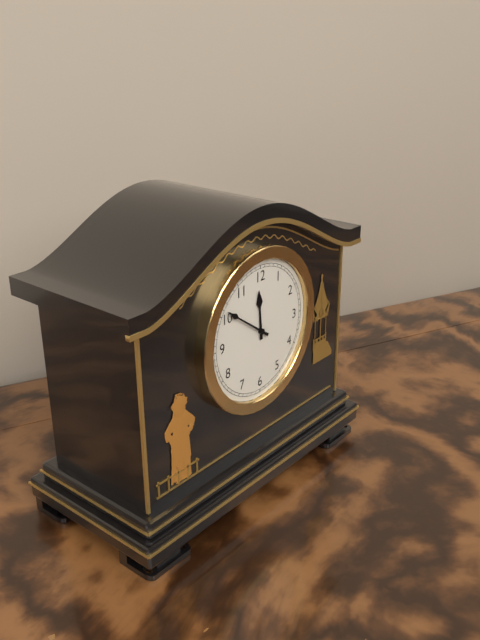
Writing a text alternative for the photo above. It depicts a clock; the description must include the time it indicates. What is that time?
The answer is 11:51
